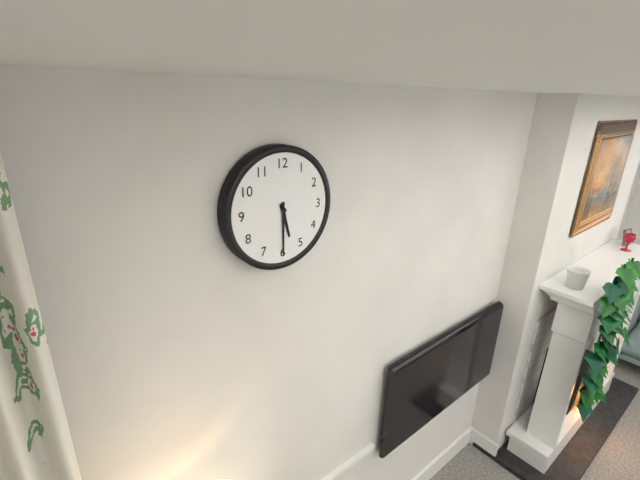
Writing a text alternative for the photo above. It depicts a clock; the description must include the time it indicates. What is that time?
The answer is 5:30
